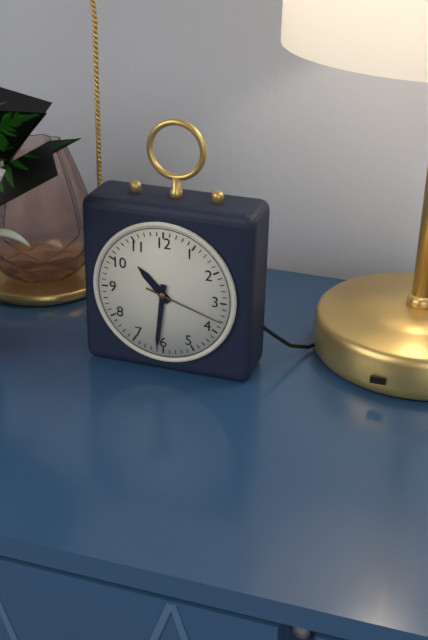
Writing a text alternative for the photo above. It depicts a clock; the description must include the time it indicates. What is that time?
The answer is 10:31:18
